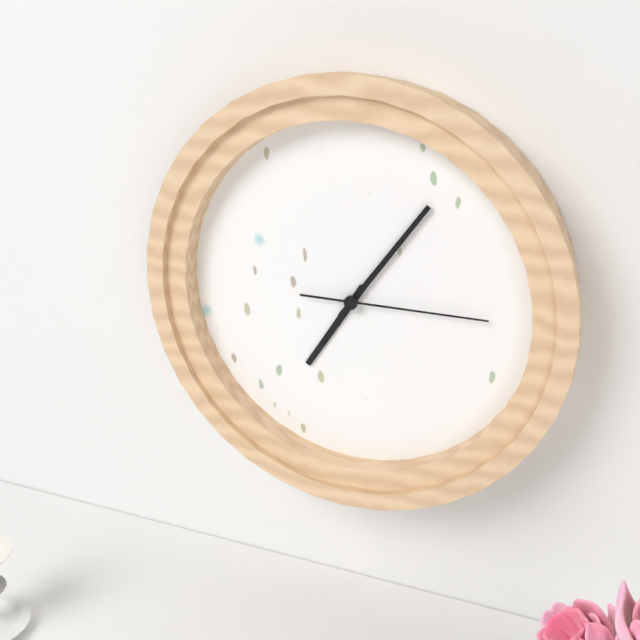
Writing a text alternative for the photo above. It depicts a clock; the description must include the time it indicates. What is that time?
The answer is 7:06:15
